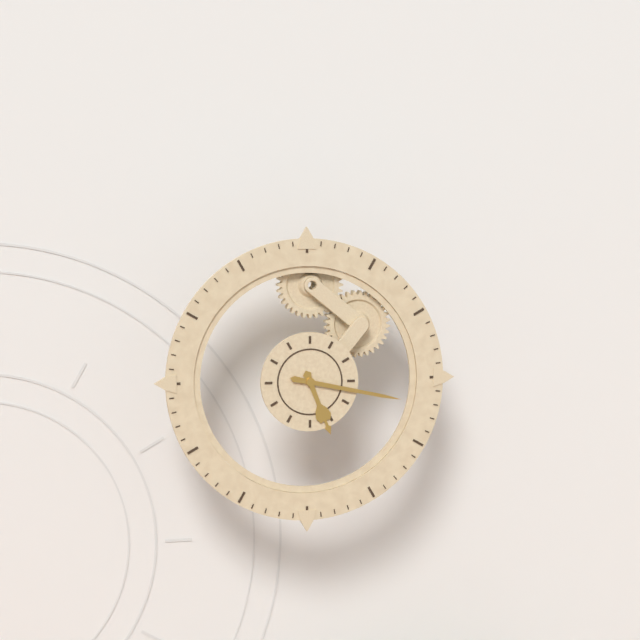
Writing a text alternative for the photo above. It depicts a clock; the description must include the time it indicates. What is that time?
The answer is 5:17
